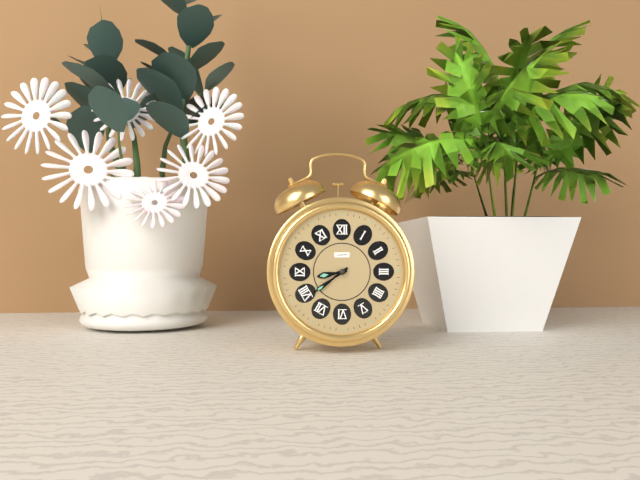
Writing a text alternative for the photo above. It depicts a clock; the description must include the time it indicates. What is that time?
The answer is 8:39
